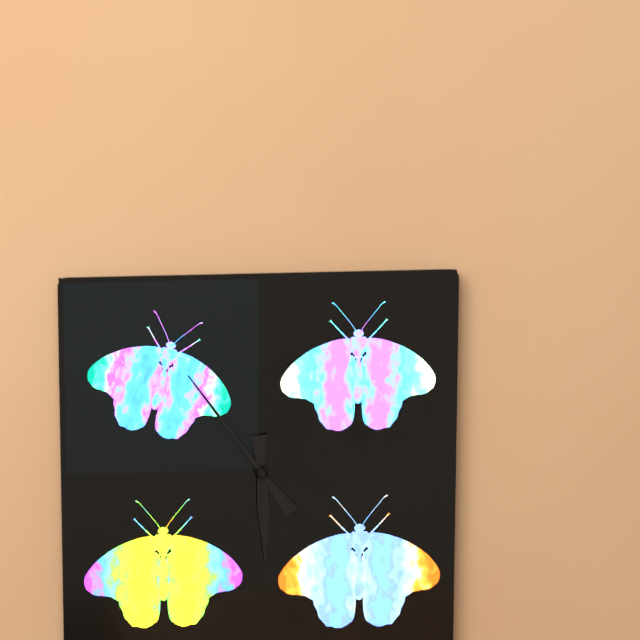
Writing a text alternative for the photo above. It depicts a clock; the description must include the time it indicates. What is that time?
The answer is 5:54
